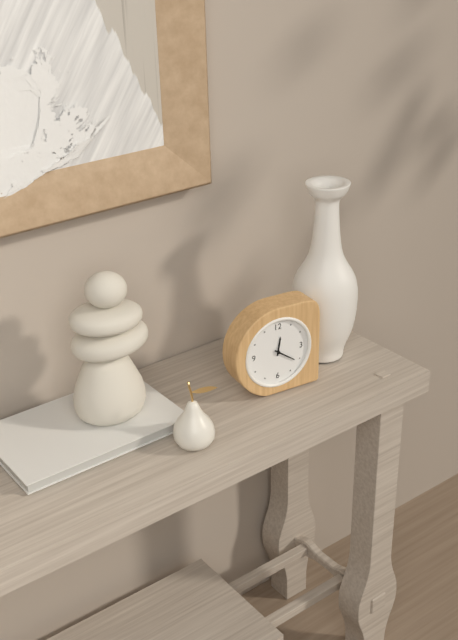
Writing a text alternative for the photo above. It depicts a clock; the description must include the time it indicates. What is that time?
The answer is 12:21
